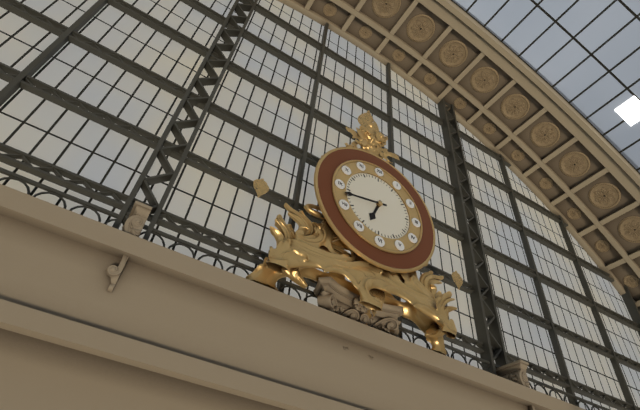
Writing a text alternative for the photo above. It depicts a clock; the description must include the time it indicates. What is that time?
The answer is 6:43
